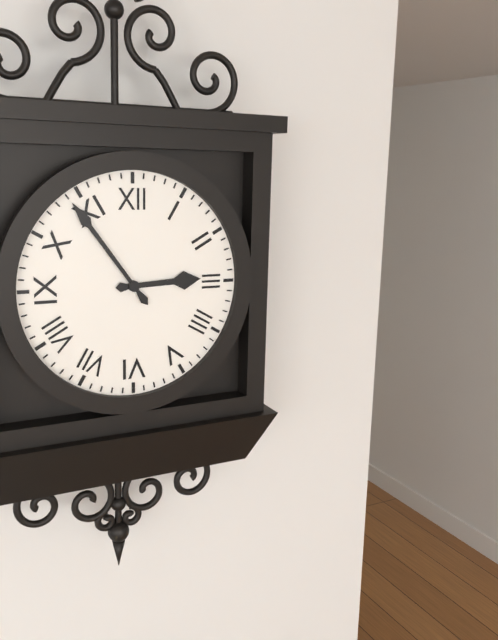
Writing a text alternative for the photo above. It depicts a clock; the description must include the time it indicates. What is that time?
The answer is 2:54
